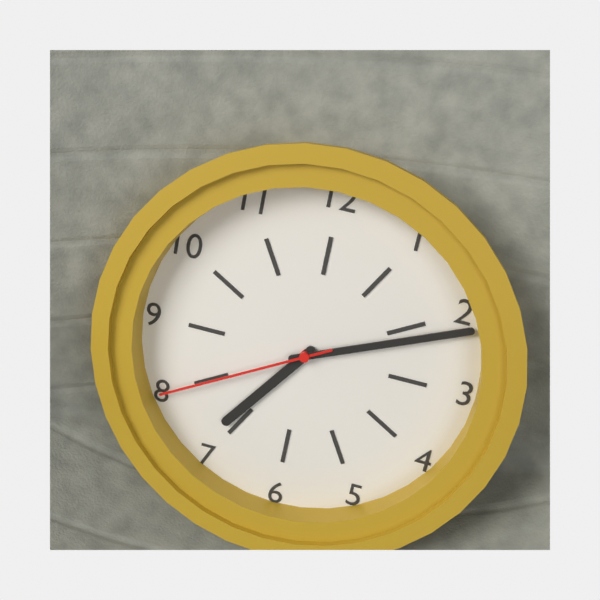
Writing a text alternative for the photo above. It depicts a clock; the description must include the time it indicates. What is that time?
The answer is 7:11:40
